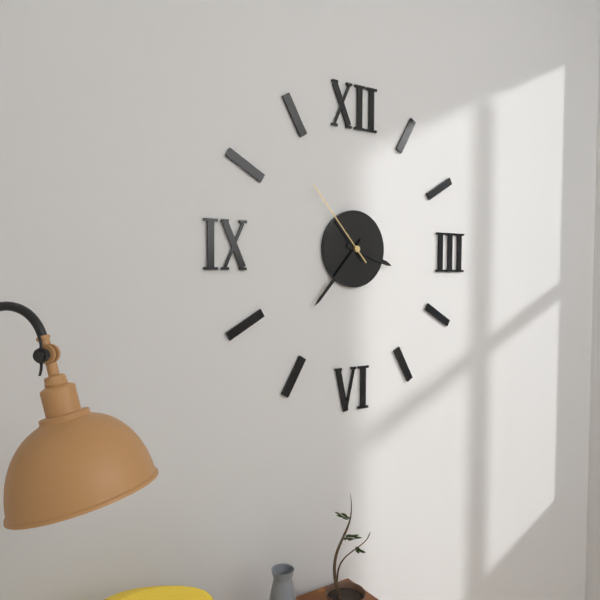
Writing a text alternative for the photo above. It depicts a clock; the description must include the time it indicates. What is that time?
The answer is 3:37:53
